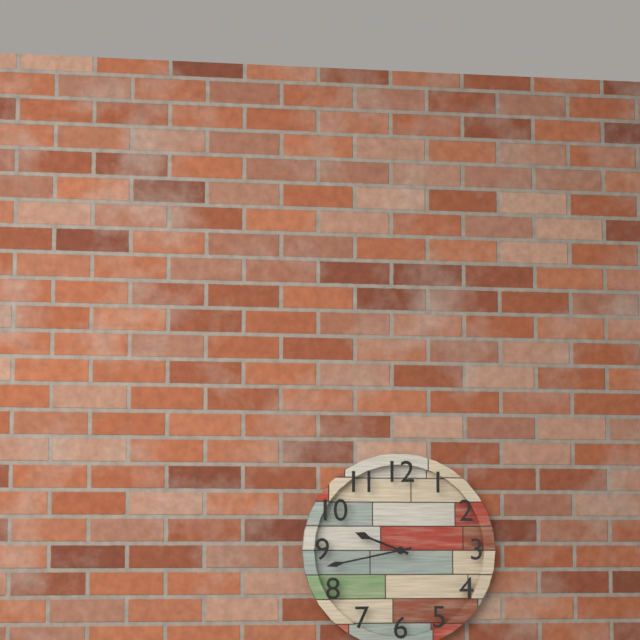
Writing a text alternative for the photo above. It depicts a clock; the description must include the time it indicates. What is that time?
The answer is 9:43
